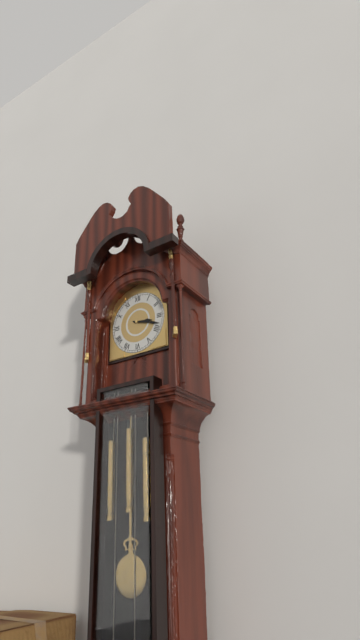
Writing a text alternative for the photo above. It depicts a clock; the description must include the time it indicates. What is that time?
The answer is 3:18
